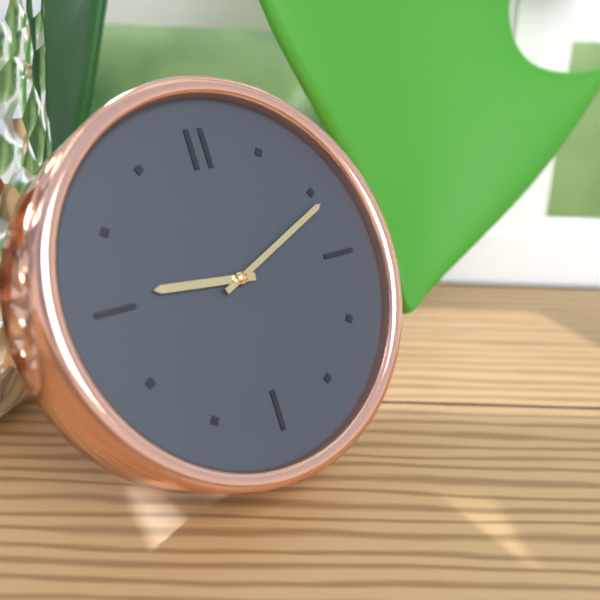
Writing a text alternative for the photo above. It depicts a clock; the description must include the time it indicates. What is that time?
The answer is 9:11
